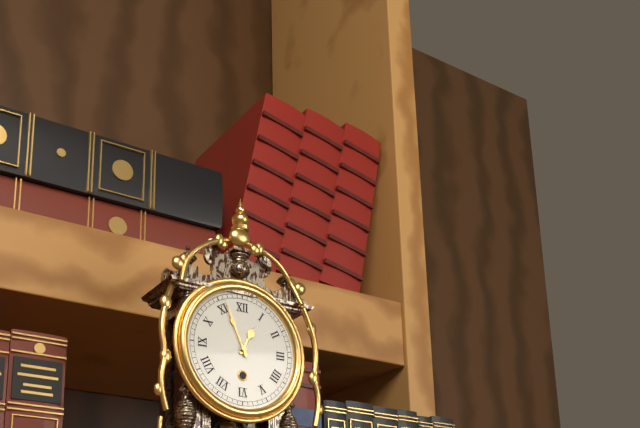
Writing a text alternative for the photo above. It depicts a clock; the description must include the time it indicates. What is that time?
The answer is 12:56
